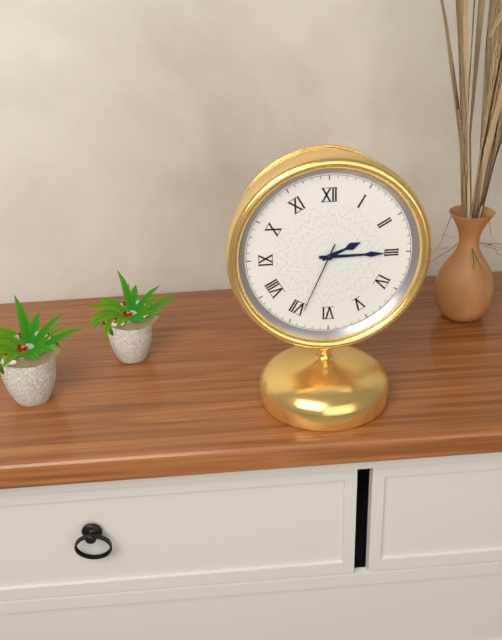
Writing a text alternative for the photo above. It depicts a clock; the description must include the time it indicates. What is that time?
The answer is 2:15:34
